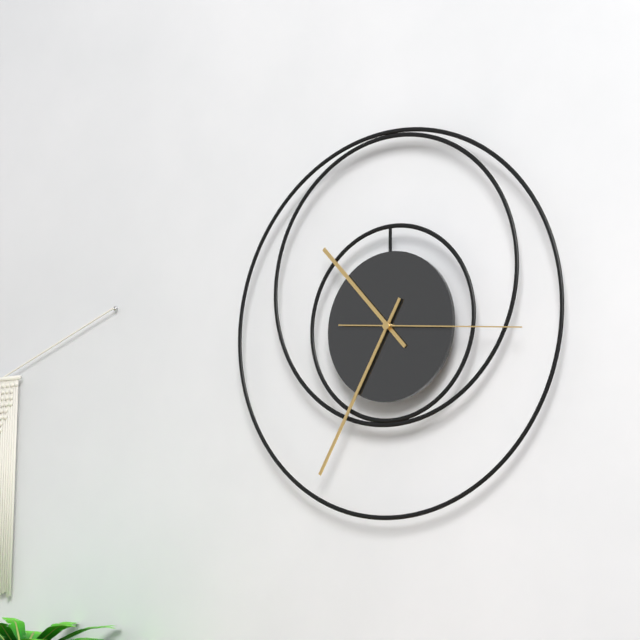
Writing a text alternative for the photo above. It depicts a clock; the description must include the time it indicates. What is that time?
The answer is 10:35:16
